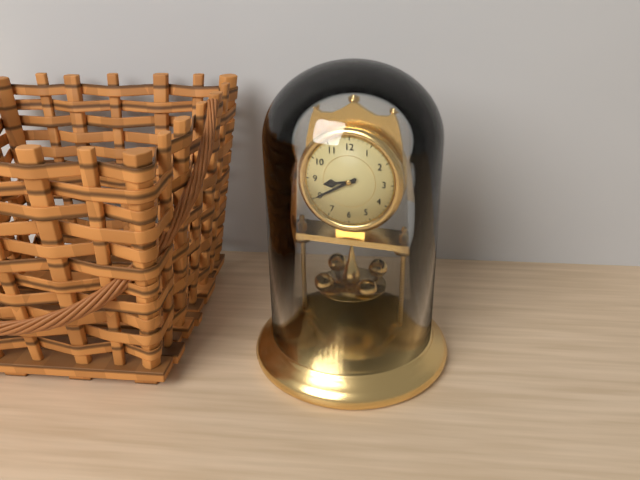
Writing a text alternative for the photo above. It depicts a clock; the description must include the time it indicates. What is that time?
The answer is 8:40
